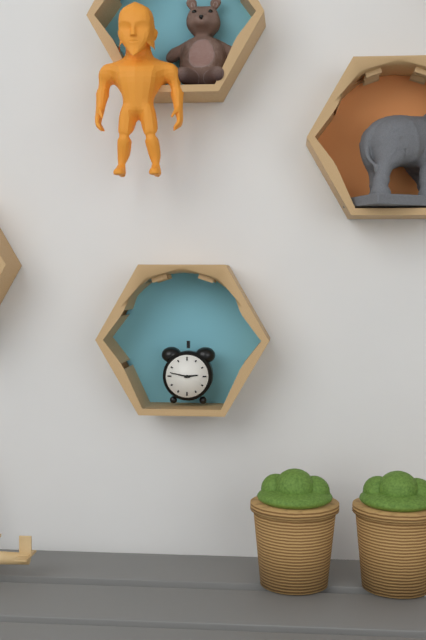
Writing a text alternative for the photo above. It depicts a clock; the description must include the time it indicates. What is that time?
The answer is 2:47
